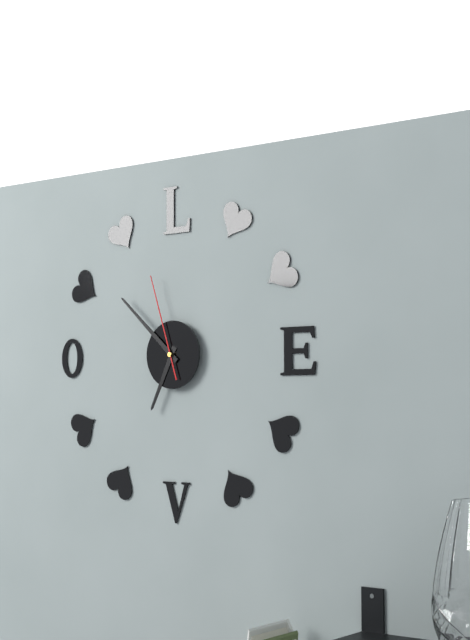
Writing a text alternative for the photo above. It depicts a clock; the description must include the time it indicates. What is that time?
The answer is 6:52:57
